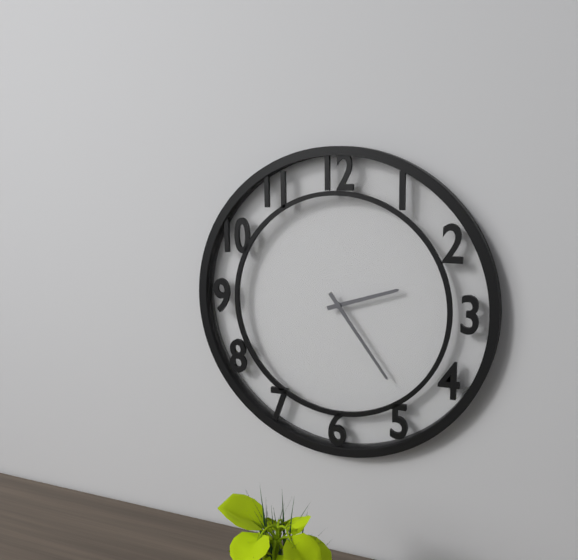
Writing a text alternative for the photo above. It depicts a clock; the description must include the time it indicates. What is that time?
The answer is 2:24
